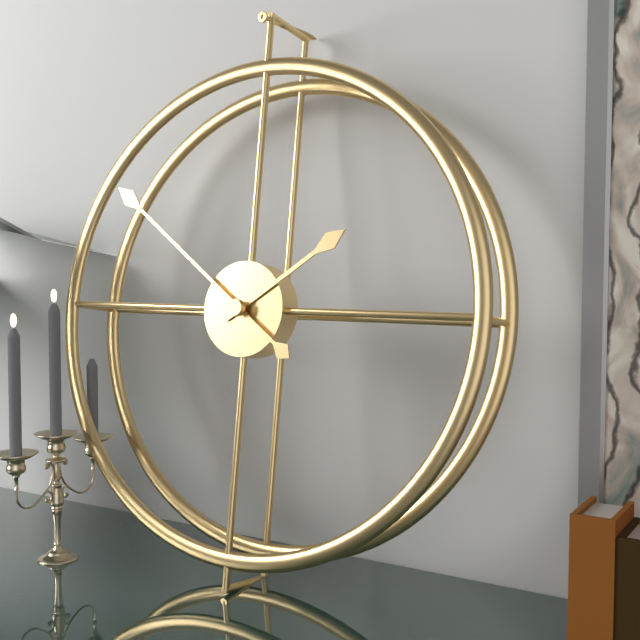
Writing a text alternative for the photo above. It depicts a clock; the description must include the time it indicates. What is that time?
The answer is 1:51
